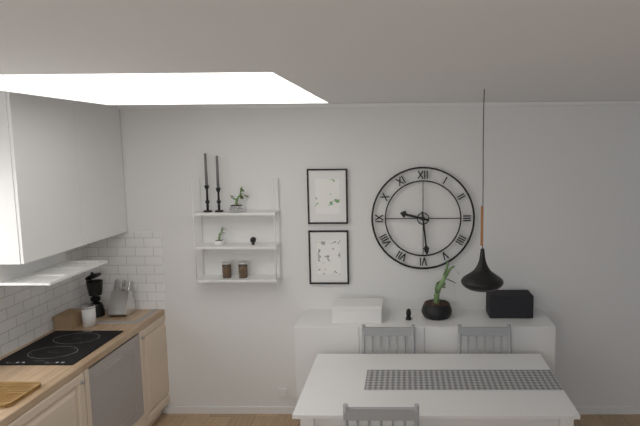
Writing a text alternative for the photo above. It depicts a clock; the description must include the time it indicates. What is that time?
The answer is 9:29
